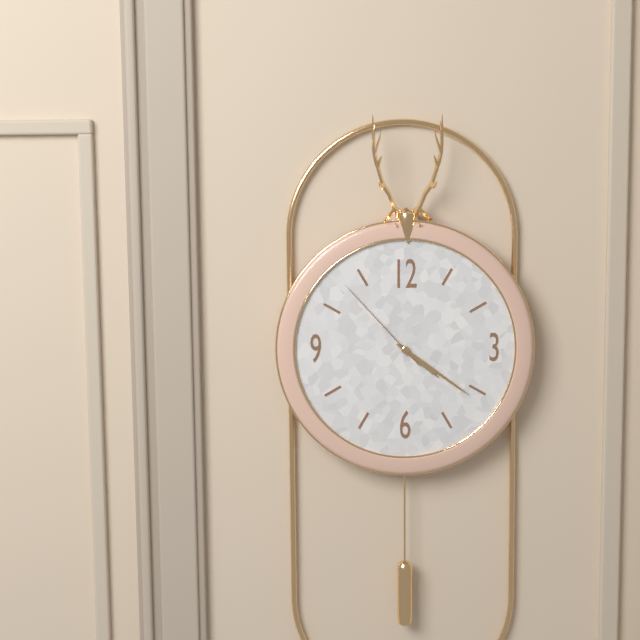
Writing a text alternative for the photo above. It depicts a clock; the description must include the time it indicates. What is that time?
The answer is 4:21:53
